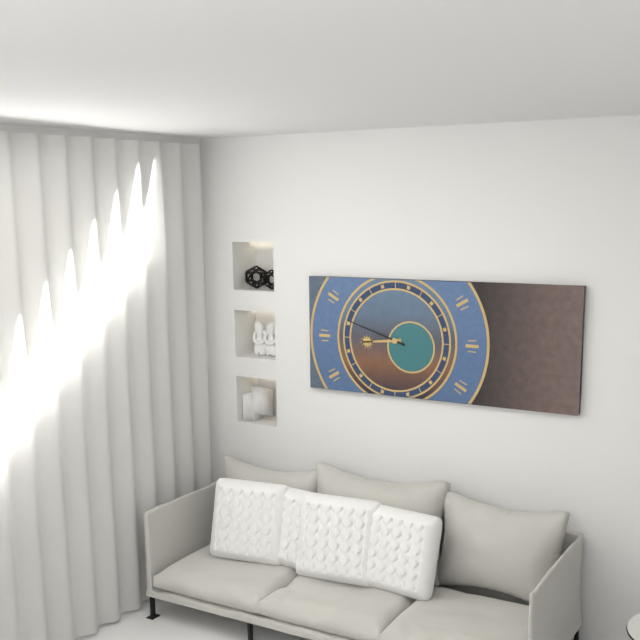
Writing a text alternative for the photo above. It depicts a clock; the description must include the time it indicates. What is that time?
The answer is 8:48
